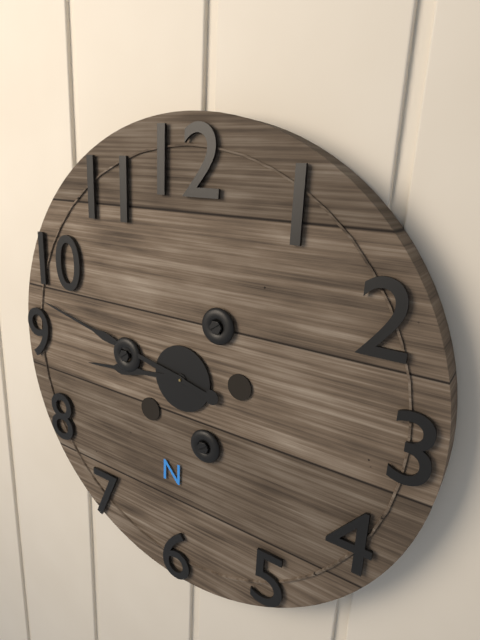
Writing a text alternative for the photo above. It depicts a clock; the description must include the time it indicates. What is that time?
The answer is 8:47
